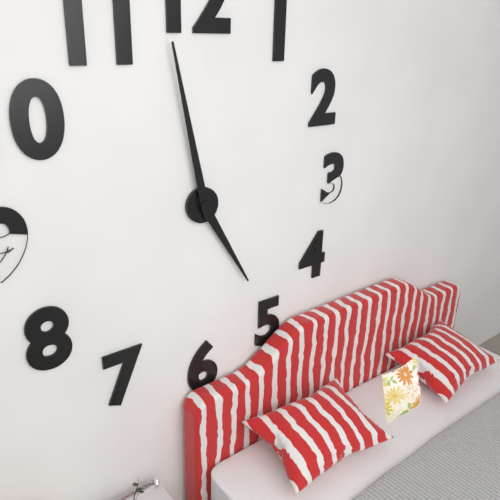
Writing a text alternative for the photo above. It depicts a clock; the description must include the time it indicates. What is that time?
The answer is 4:58
